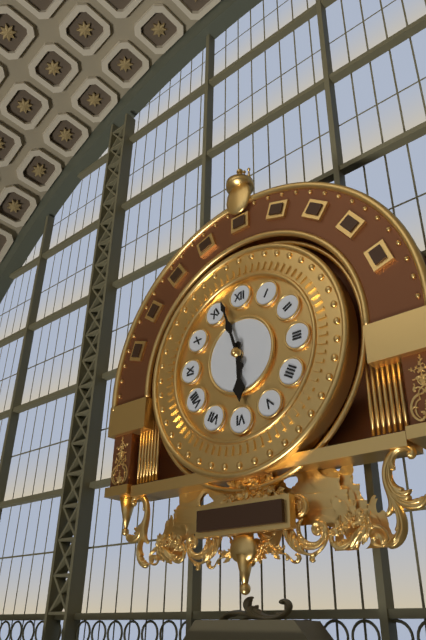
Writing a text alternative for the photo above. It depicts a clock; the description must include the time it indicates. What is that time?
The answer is 5:57
